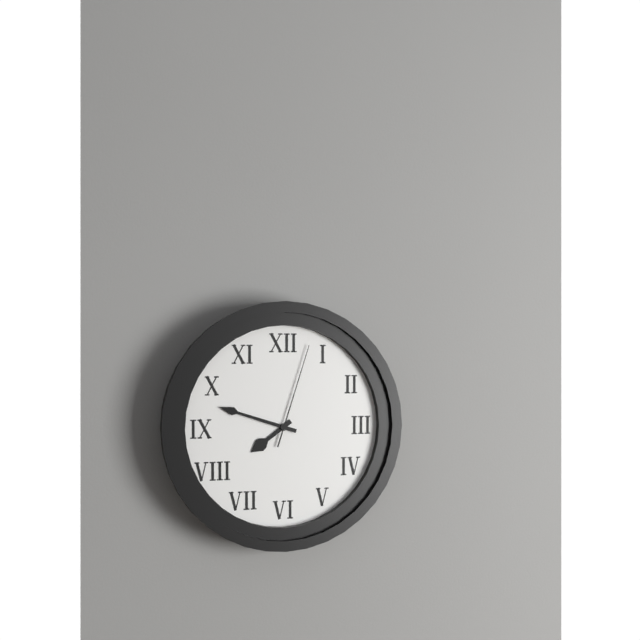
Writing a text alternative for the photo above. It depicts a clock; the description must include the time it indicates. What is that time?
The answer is 7:48:03
